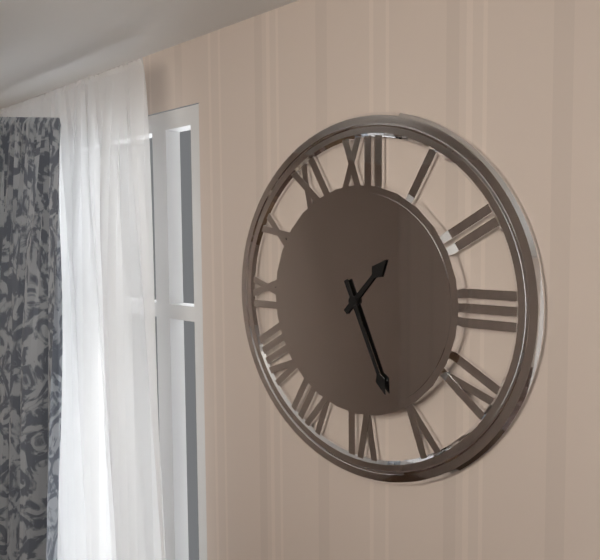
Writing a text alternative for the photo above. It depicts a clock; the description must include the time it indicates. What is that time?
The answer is 1:26
